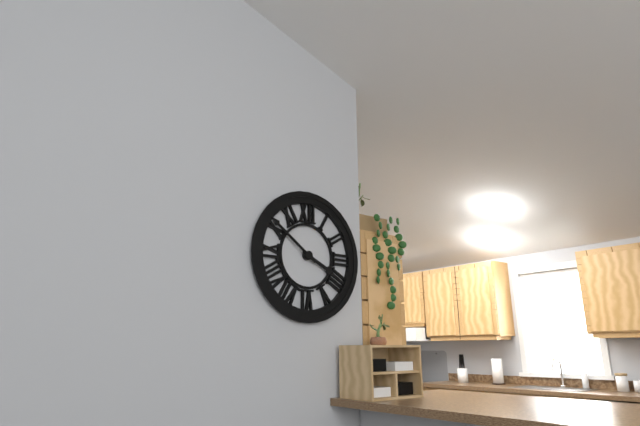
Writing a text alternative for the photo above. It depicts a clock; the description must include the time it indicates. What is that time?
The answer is 3:51
